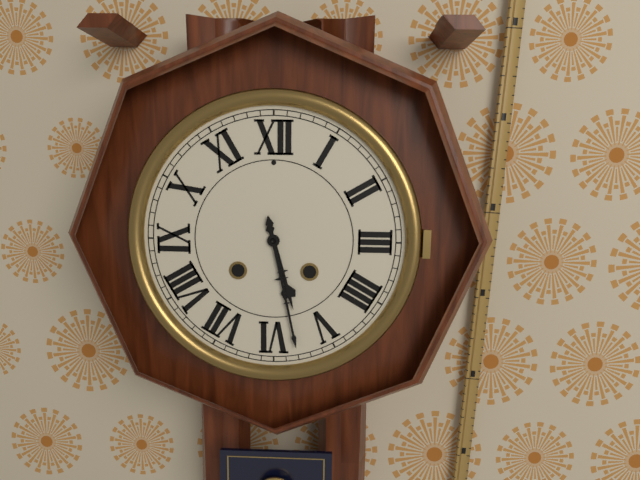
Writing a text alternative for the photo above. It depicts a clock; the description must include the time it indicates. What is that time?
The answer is 5:28
